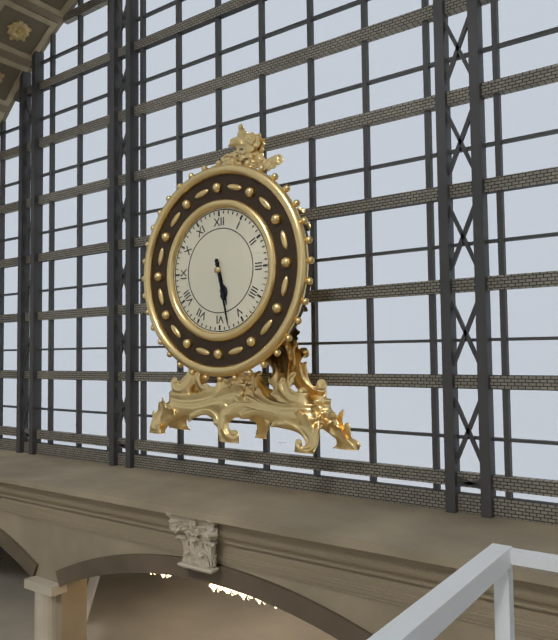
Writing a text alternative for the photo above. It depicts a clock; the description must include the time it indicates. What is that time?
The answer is 5:28
